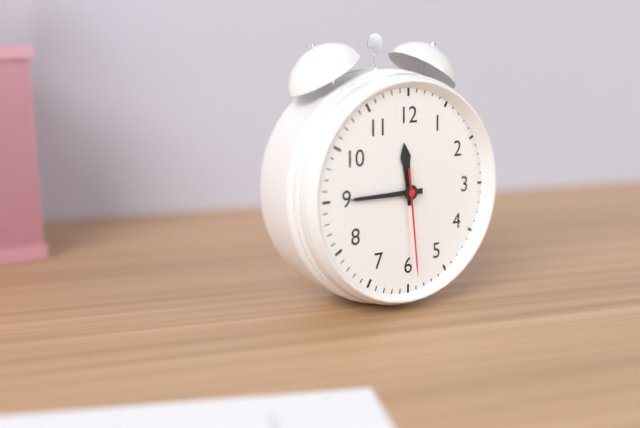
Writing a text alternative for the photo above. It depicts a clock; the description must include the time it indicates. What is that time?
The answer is 11:45:29
